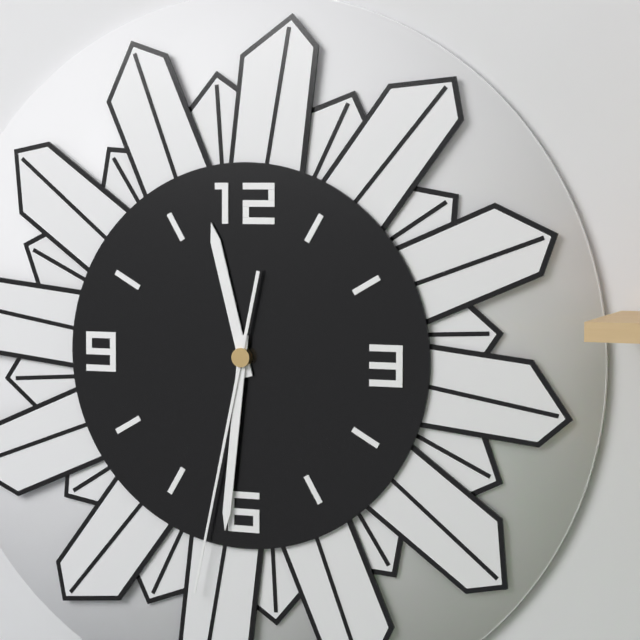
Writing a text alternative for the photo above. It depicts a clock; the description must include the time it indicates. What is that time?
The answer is 11:31:32
